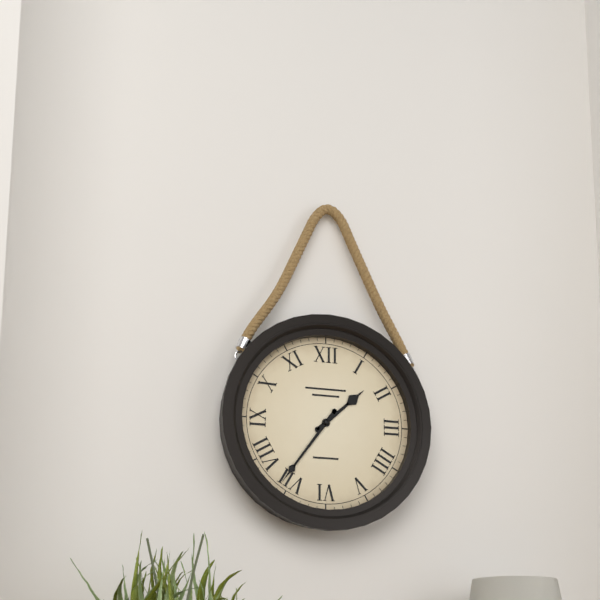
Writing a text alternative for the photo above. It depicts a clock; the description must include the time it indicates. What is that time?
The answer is 1:36
